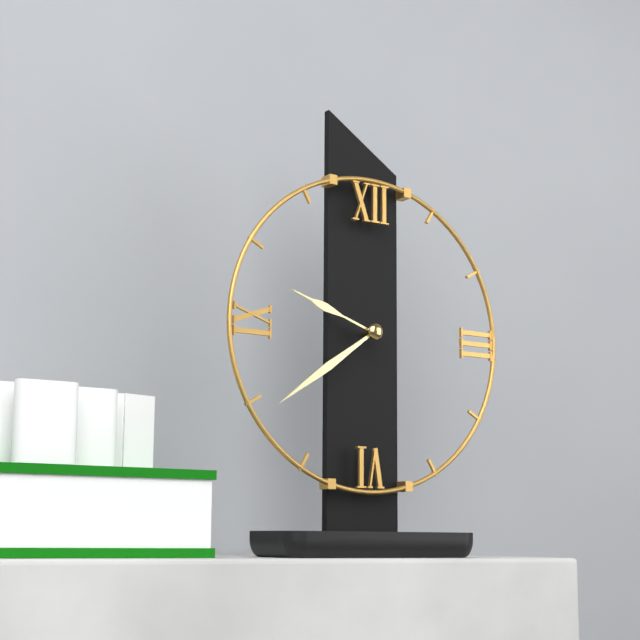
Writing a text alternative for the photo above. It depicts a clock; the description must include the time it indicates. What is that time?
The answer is 9:39
